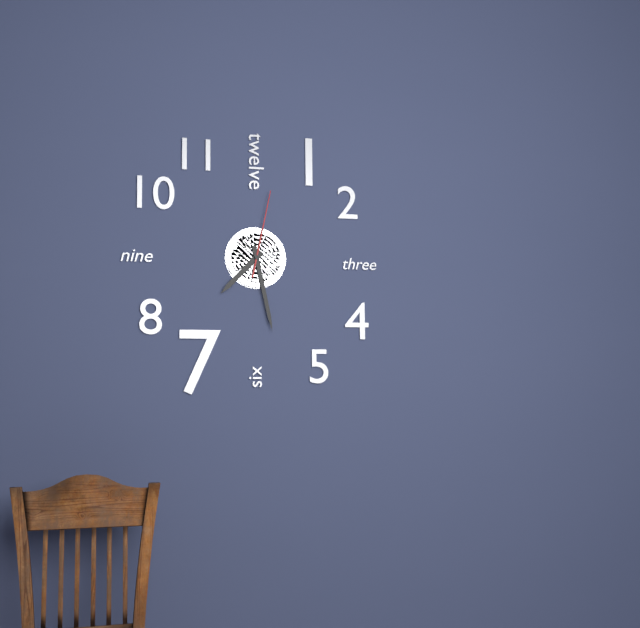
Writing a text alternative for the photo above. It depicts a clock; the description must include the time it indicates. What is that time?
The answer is 7:28:02
